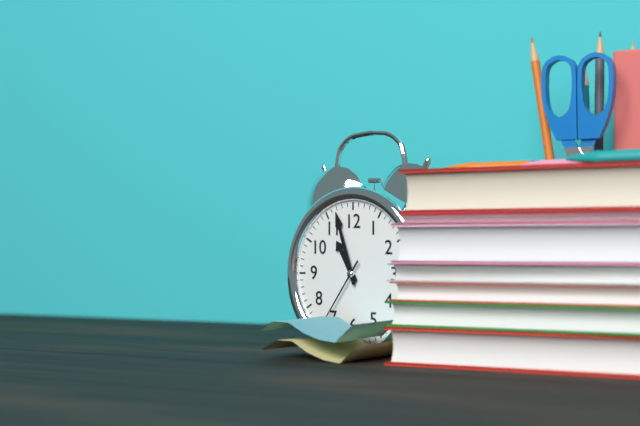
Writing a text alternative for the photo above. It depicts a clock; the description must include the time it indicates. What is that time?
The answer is 10:57:36
